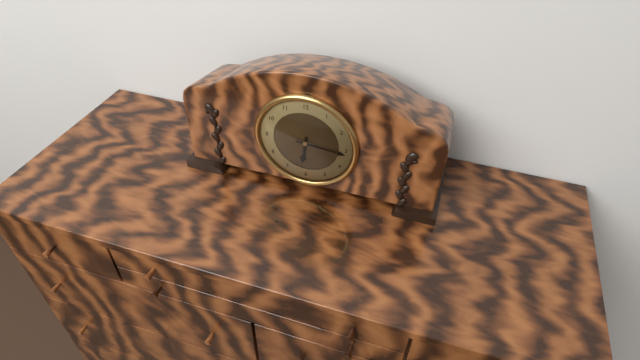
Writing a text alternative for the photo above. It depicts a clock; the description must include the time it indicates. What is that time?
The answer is 6:16
